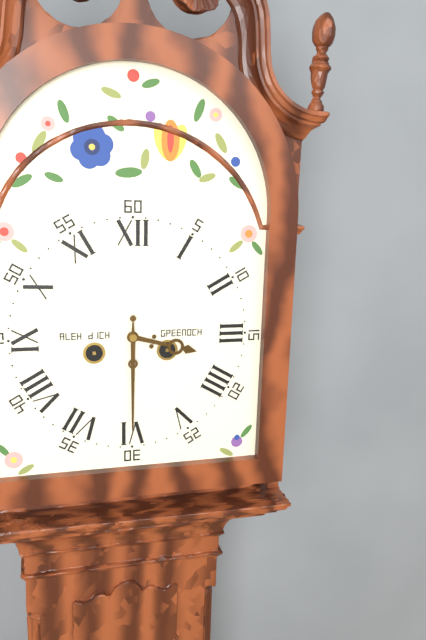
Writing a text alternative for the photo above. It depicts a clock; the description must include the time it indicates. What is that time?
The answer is 3:30
